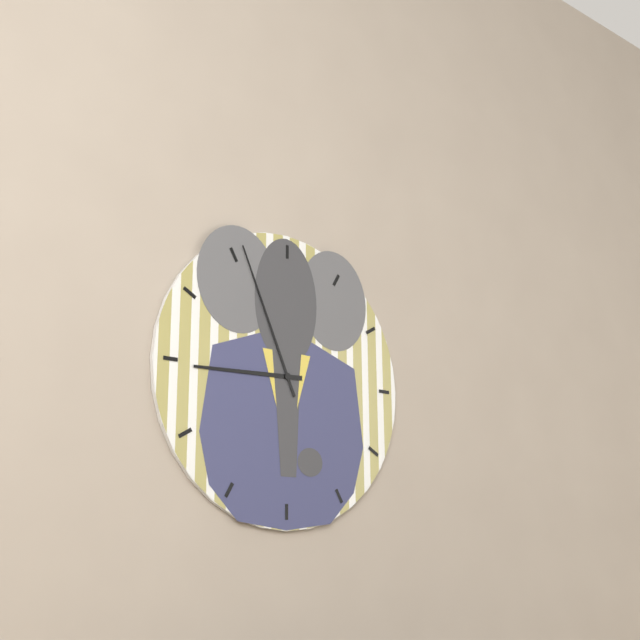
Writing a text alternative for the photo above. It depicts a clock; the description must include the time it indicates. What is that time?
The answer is 8:56
